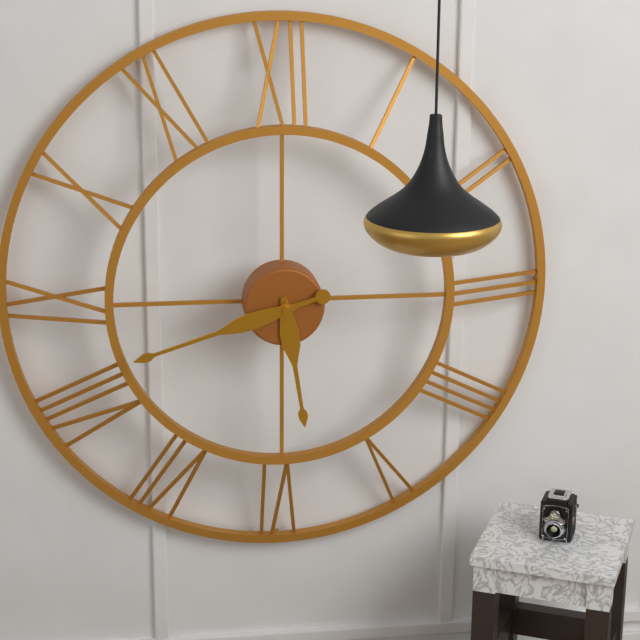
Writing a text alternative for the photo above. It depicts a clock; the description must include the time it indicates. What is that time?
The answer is 5:42
